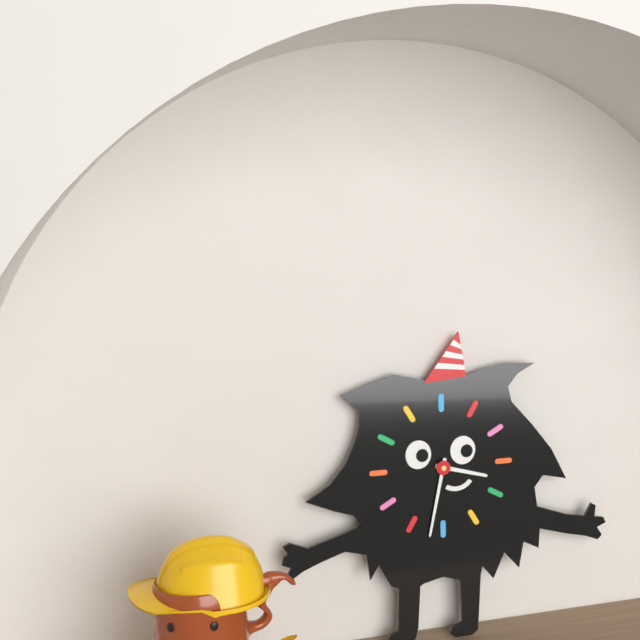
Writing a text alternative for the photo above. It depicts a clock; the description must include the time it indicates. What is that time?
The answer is 3:32
